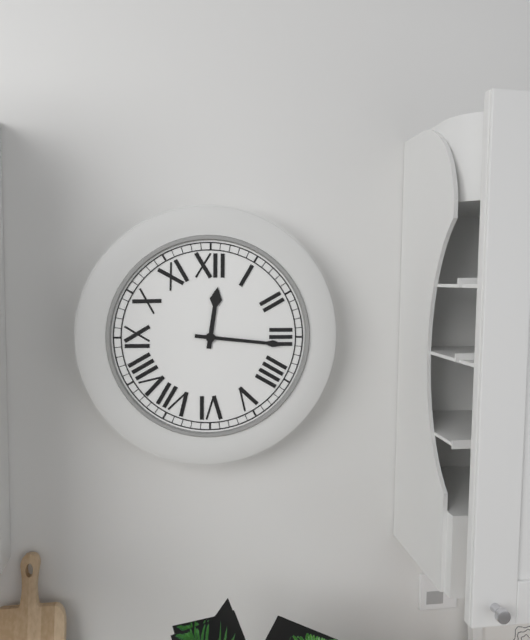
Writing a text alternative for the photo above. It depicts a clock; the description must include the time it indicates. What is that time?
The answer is 12:16
